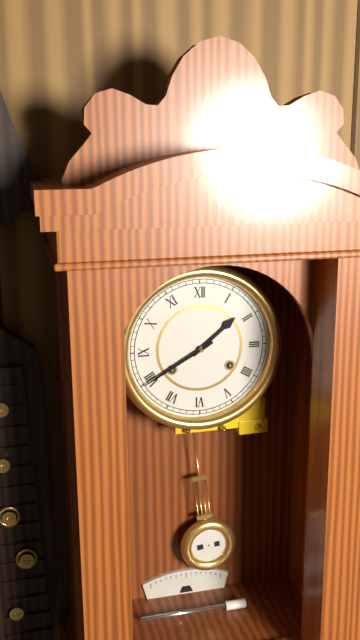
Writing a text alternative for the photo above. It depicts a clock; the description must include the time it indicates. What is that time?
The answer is 1:40
